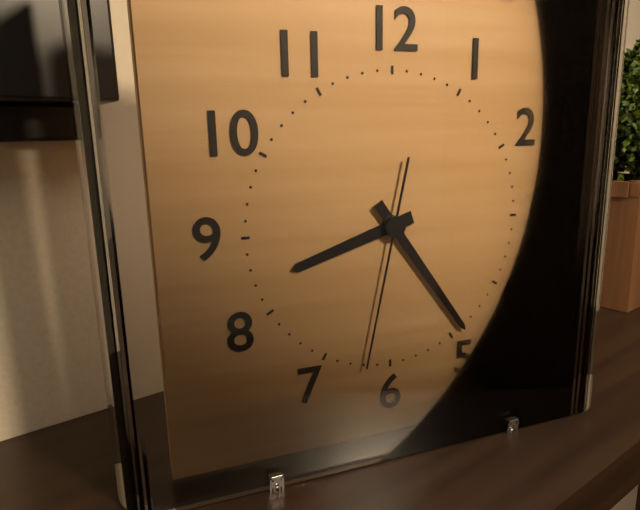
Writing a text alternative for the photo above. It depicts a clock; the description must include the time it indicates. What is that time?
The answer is 8:24:32
